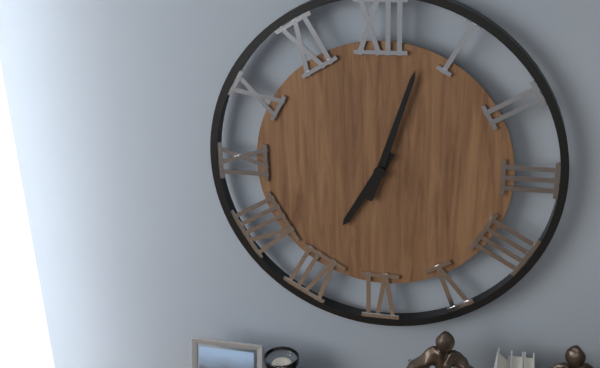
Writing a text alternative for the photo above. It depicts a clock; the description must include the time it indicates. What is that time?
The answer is 7:03
